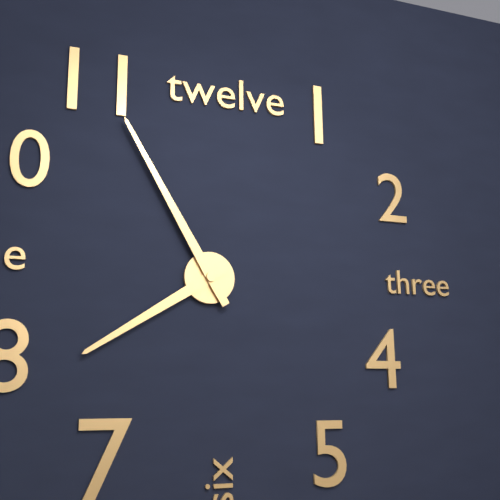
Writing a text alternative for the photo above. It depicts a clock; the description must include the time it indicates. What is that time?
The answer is 7:55
